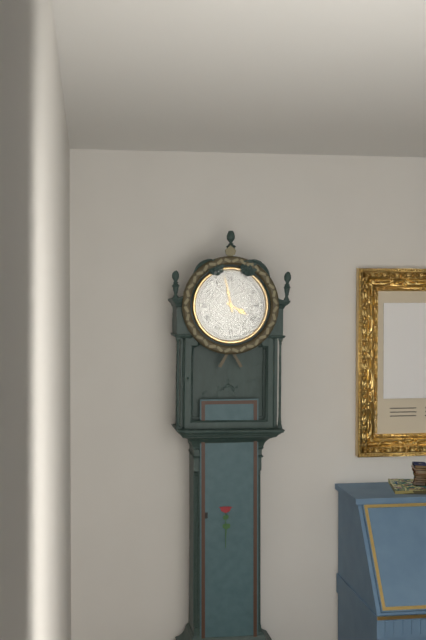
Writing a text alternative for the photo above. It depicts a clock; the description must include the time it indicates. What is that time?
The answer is 3:58
